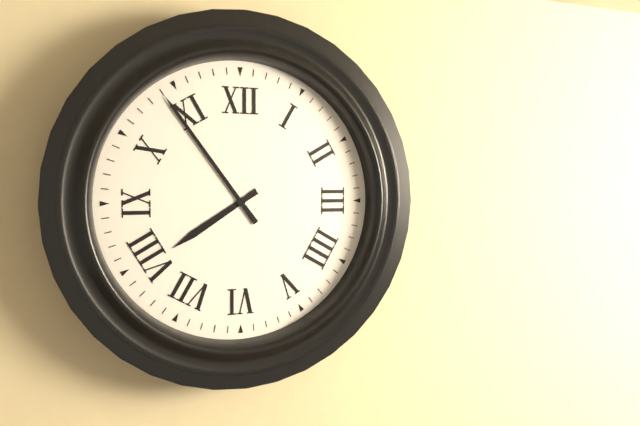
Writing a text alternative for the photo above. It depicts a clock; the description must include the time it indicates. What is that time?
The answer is 7:54
